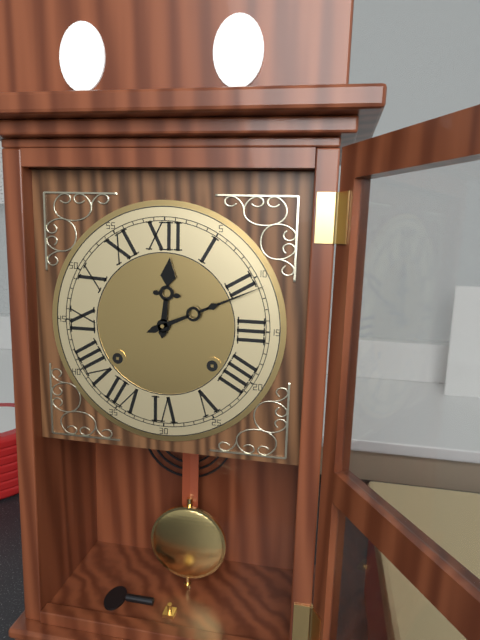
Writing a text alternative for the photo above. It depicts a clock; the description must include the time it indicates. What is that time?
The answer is 12:11
